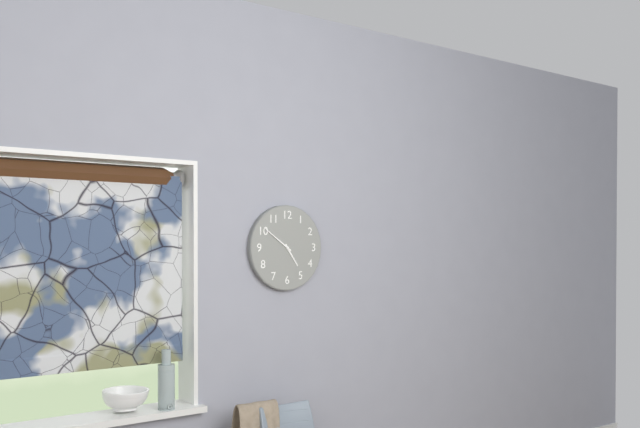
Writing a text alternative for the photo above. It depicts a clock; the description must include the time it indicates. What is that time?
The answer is 4:51
